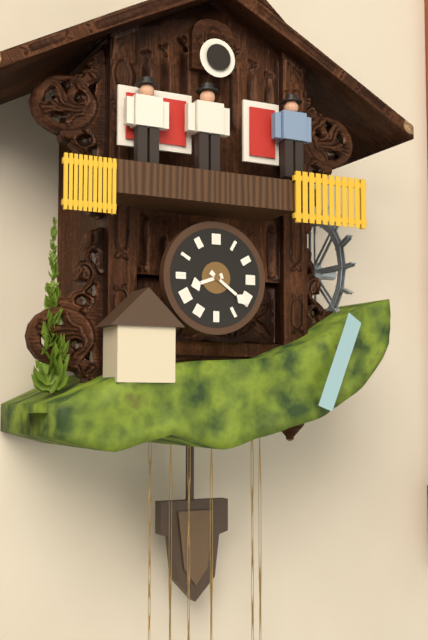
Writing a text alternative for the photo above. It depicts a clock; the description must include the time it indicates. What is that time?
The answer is 8:21
